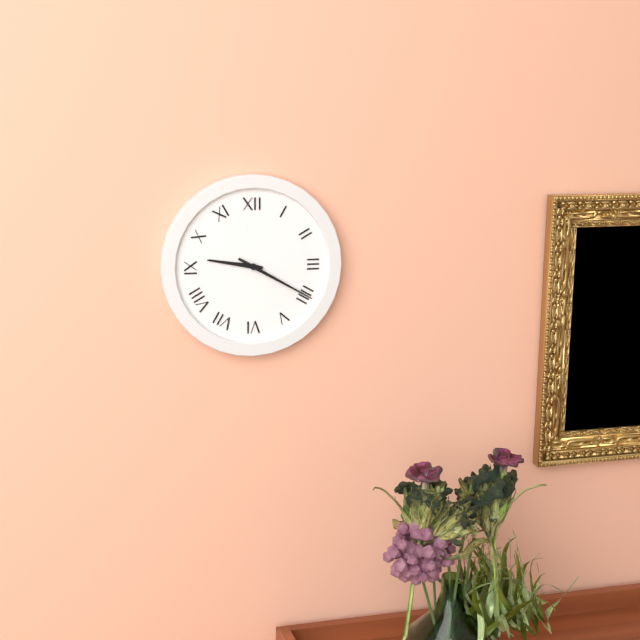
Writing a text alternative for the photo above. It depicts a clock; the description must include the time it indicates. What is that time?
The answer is 9:20
